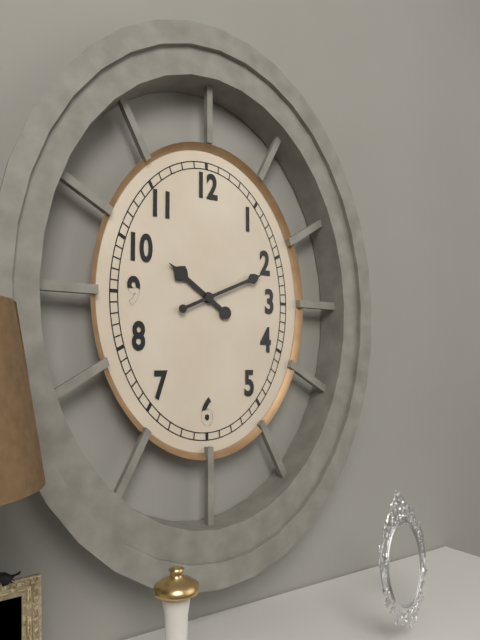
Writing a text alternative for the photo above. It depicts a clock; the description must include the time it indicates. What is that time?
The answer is 10:11
